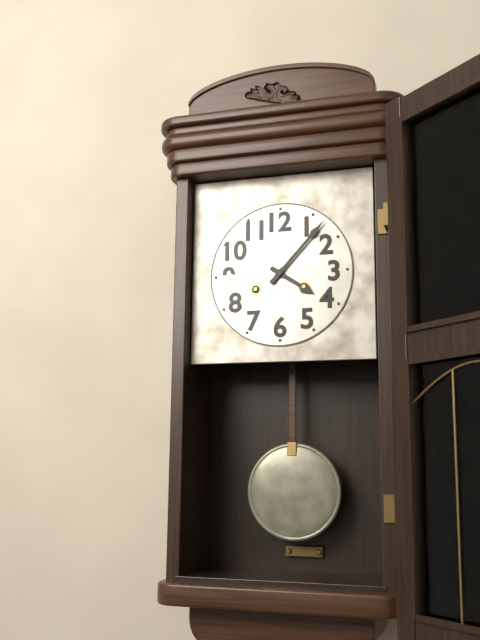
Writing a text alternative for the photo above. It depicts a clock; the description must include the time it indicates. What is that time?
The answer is 4:07
